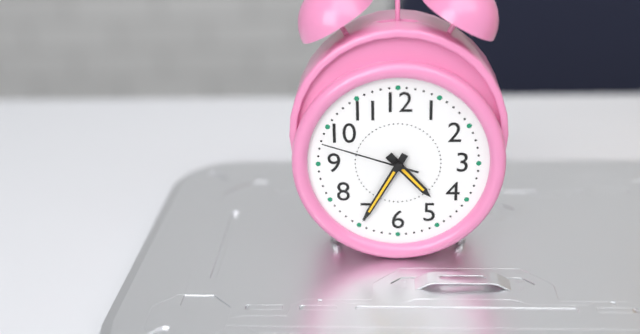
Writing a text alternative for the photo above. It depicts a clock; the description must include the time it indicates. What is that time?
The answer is 4:35:48
